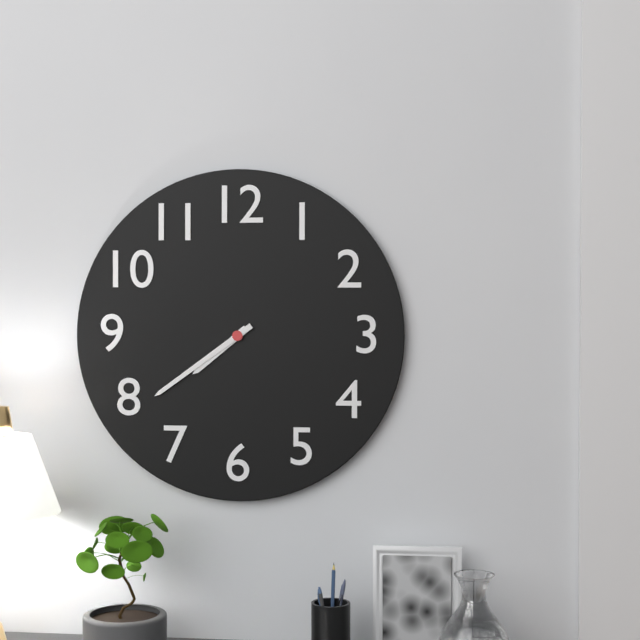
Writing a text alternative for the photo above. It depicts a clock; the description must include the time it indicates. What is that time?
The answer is 7:39
